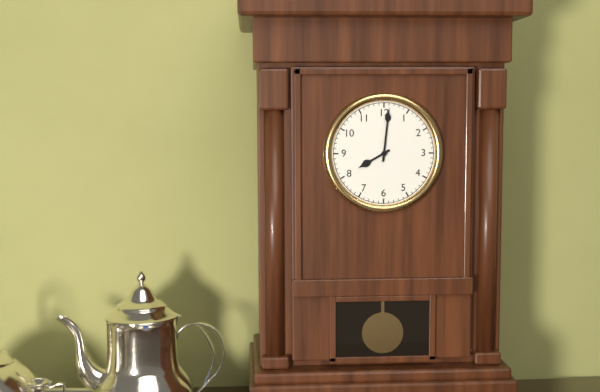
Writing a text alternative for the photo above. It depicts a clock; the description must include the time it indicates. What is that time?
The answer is 8:01
